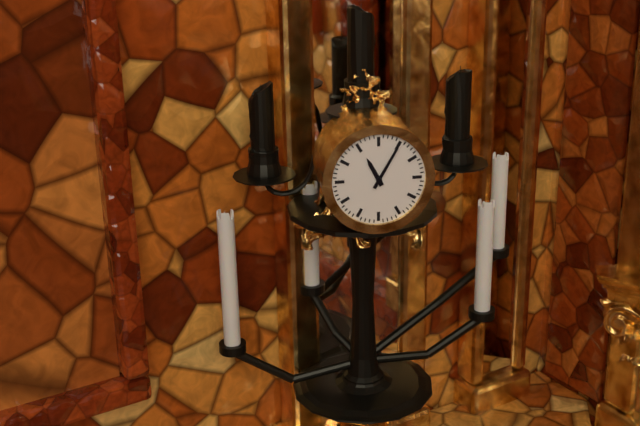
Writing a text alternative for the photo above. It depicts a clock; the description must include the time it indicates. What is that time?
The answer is 11:05
